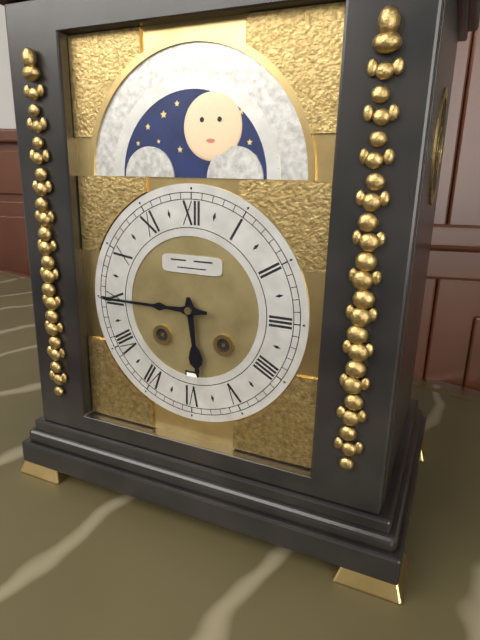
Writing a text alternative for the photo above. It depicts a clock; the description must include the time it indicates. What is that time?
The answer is 5:45
